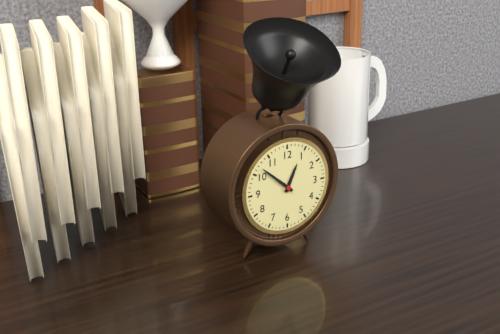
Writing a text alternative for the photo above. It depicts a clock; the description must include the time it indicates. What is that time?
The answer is 12:52
